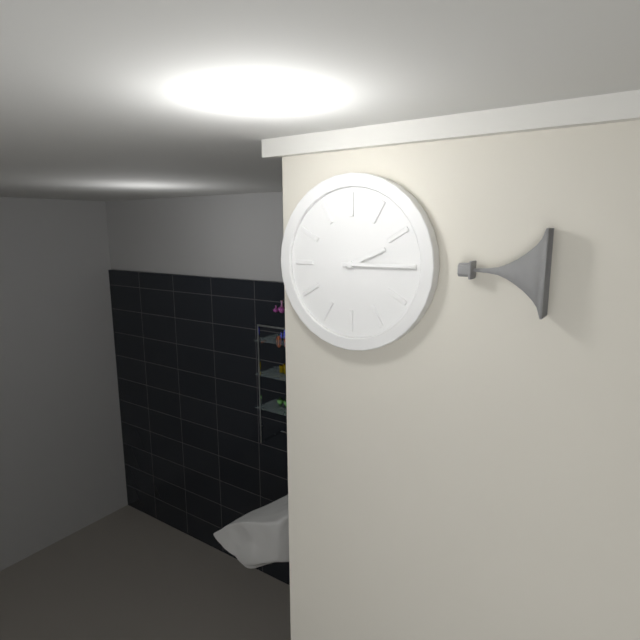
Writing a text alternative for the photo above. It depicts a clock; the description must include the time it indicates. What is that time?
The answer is 2:15
